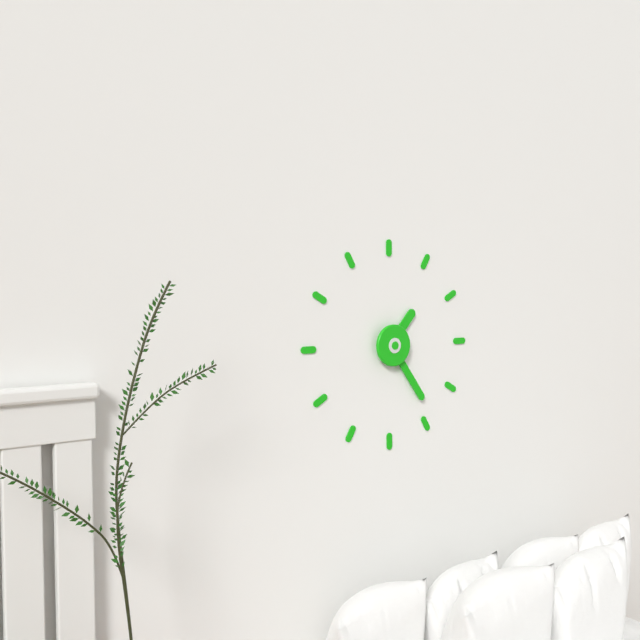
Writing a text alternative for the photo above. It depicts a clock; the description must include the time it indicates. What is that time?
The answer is 1:24
